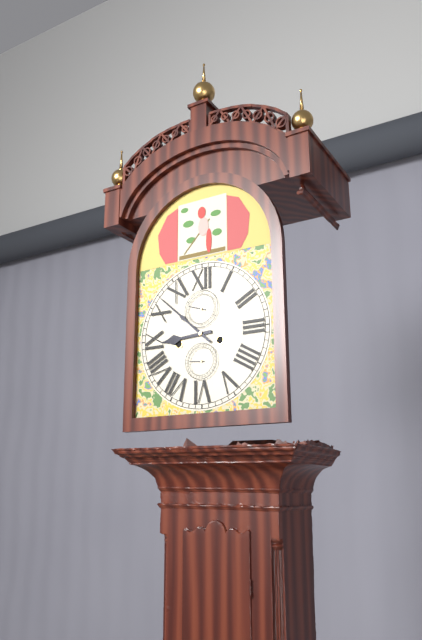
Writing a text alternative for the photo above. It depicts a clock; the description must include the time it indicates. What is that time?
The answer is 8:52
